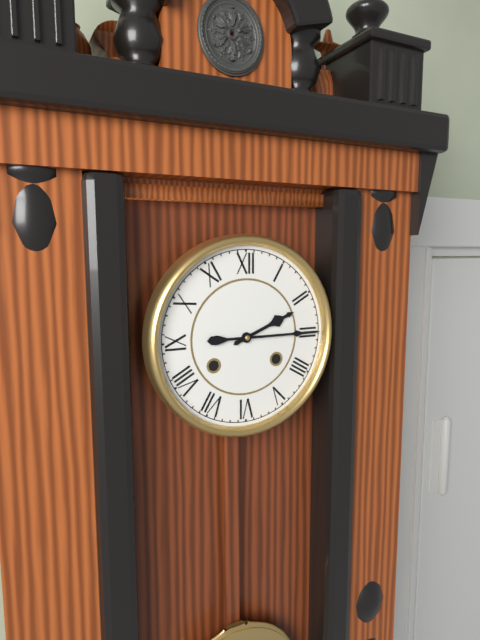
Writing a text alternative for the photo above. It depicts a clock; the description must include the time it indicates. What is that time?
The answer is 2:15
